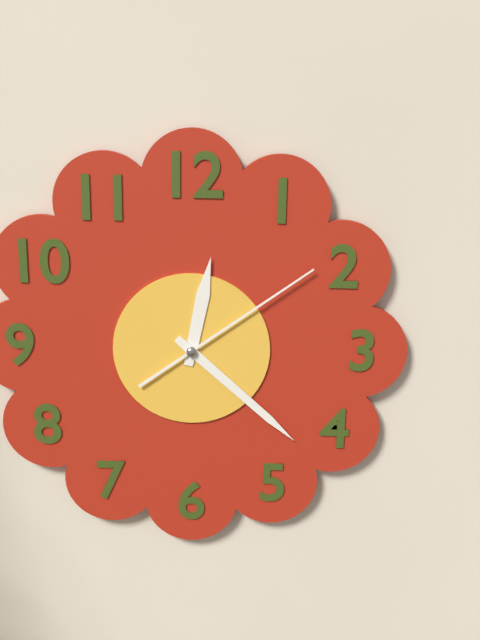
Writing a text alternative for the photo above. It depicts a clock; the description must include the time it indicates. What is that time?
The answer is 12:22:09
